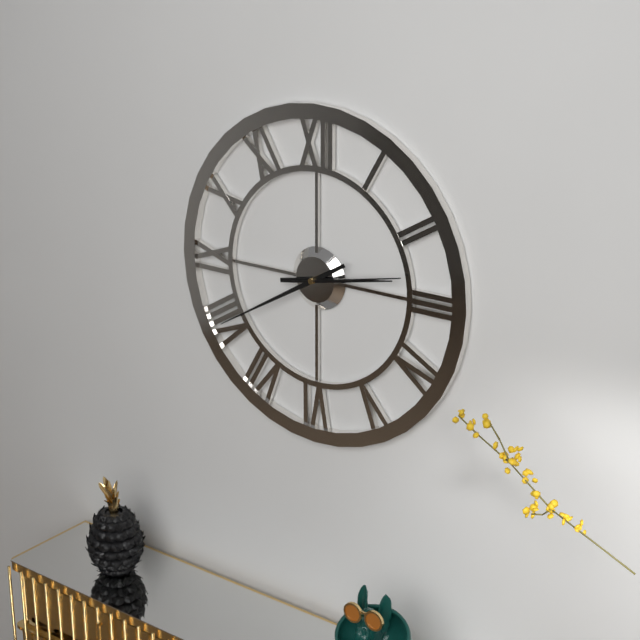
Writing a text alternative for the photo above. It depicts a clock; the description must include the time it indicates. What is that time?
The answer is 2:40:13
